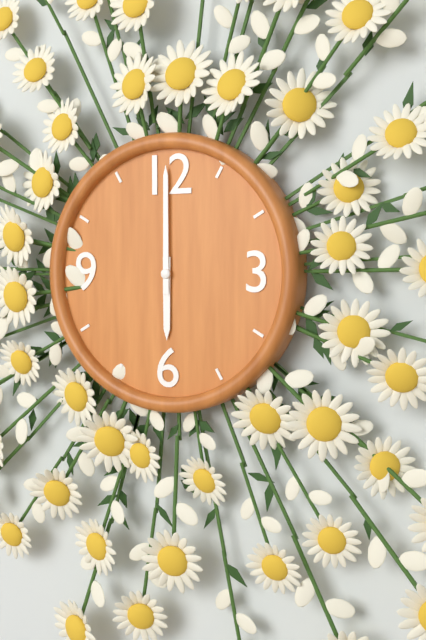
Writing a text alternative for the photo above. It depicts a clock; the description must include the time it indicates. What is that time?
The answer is 6:00
